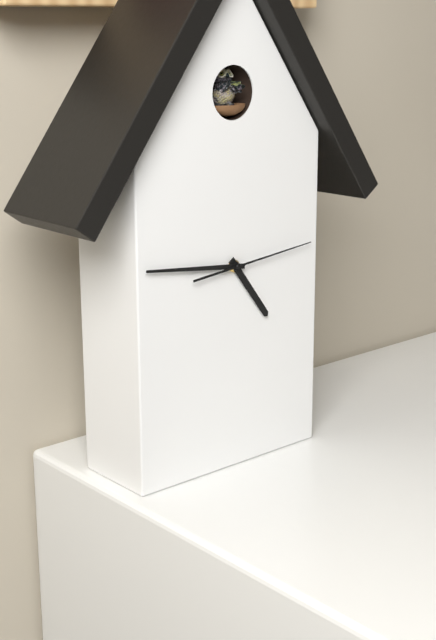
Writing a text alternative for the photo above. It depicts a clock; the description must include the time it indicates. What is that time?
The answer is 4:46:14
